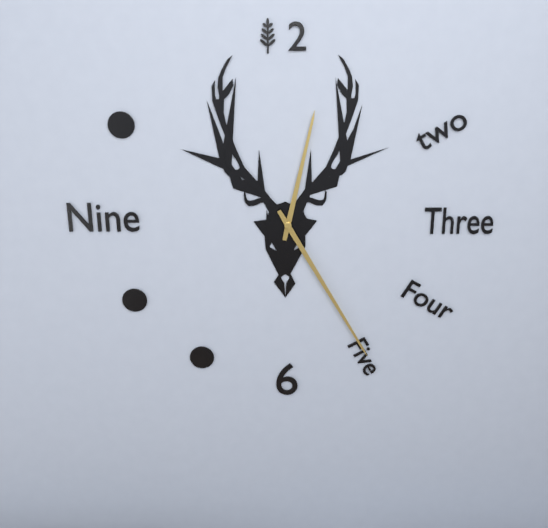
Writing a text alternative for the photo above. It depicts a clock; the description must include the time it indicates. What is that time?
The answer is 12:25
